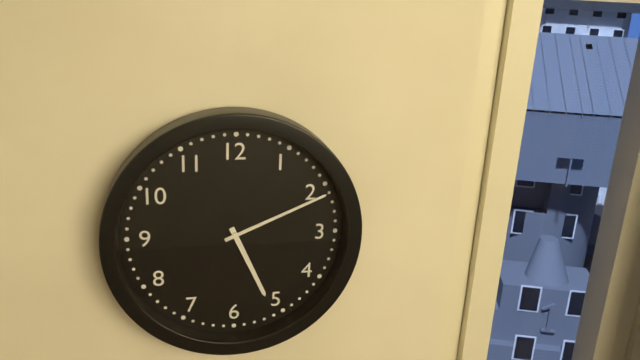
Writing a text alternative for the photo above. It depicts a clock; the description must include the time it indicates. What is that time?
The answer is 5:11
